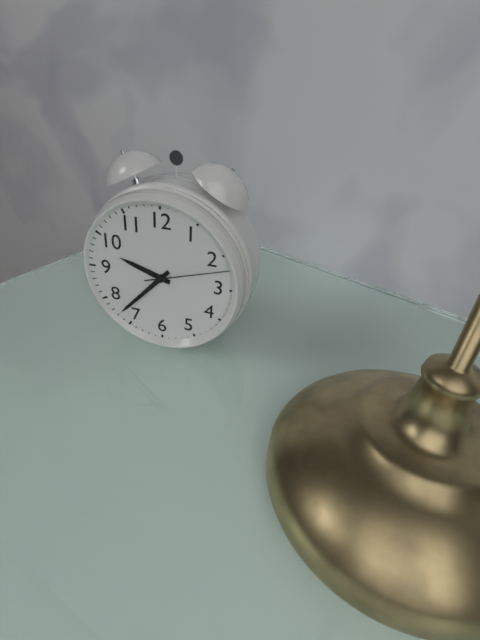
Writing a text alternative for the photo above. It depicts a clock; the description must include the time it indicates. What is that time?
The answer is 9:37:12
